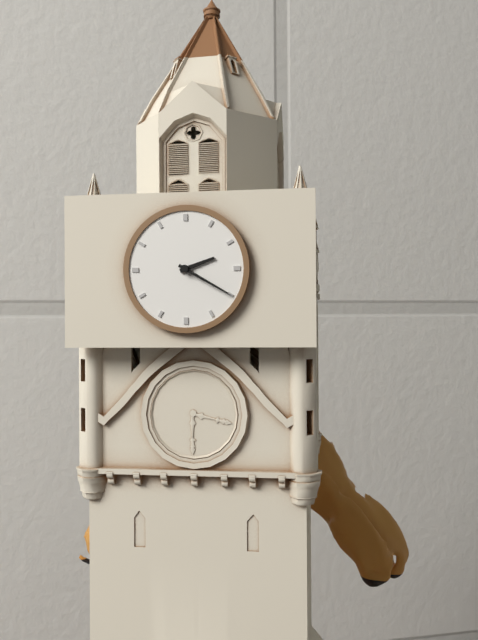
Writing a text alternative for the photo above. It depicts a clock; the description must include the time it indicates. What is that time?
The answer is 2:20
